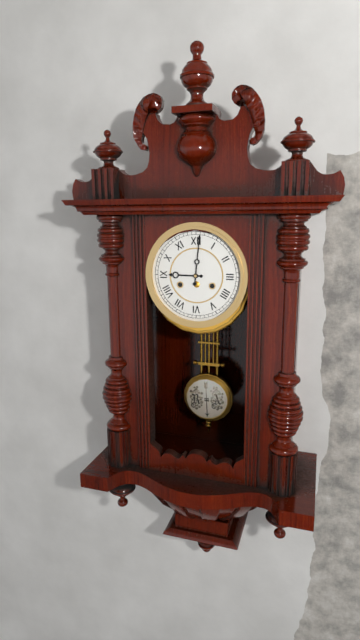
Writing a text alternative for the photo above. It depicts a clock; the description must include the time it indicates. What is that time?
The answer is 9:01
